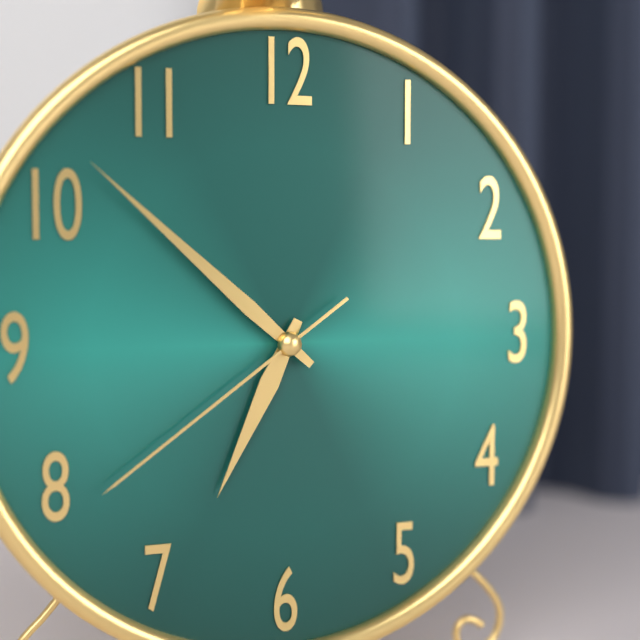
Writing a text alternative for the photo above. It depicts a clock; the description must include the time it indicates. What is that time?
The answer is 6:52:39
